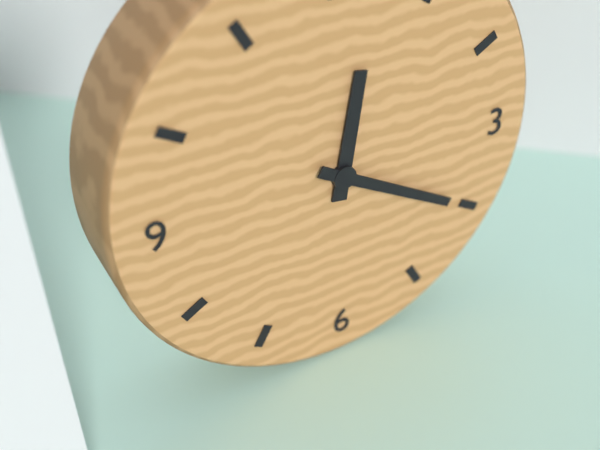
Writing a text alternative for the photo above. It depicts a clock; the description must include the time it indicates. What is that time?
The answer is 12:20
